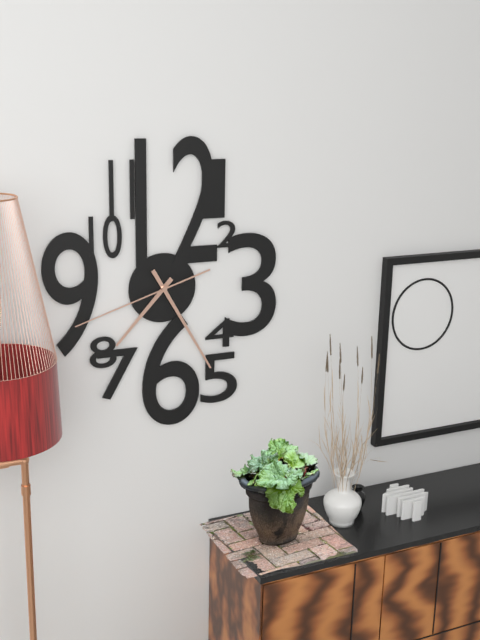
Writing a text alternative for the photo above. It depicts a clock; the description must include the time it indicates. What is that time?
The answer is 7:25:42
